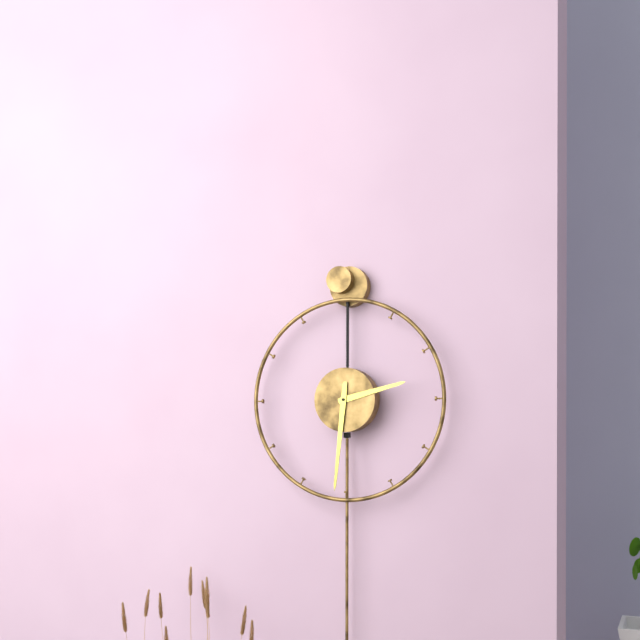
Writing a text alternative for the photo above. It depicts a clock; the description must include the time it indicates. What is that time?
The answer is 2:31
